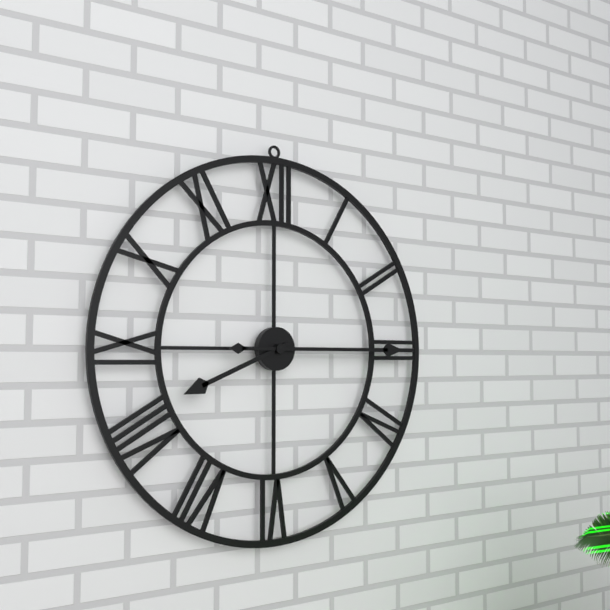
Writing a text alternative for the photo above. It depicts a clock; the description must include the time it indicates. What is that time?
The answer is 8:15
